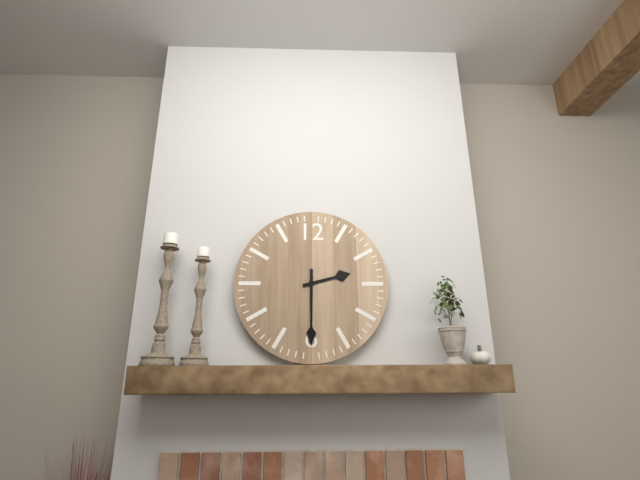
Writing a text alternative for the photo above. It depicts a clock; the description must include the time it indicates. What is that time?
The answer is 2:30
